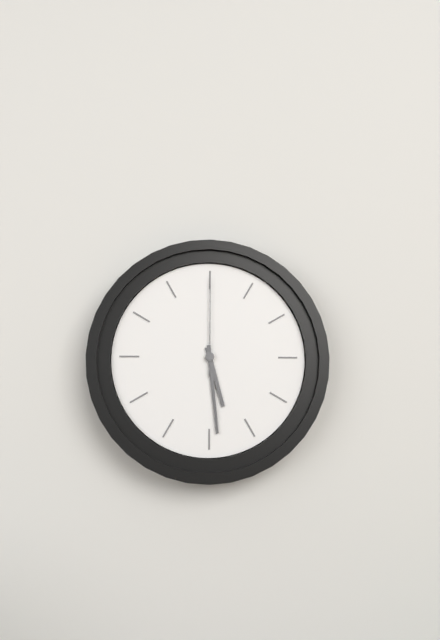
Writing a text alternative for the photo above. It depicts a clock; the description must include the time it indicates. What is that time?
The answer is 5:29:00
